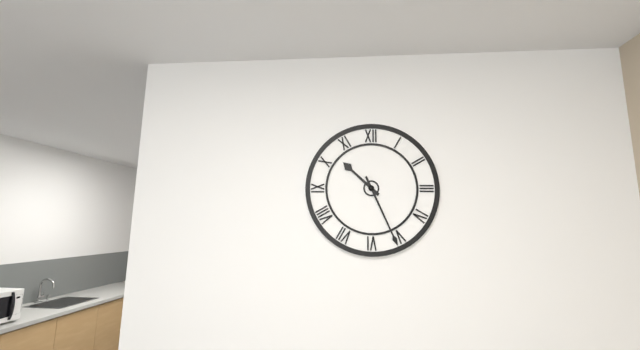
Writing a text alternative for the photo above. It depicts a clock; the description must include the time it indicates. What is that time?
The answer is 10:26
